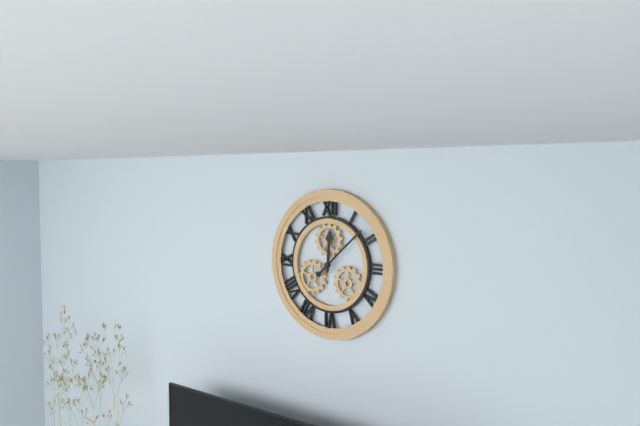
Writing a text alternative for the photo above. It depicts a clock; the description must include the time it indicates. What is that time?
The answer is 12:08
